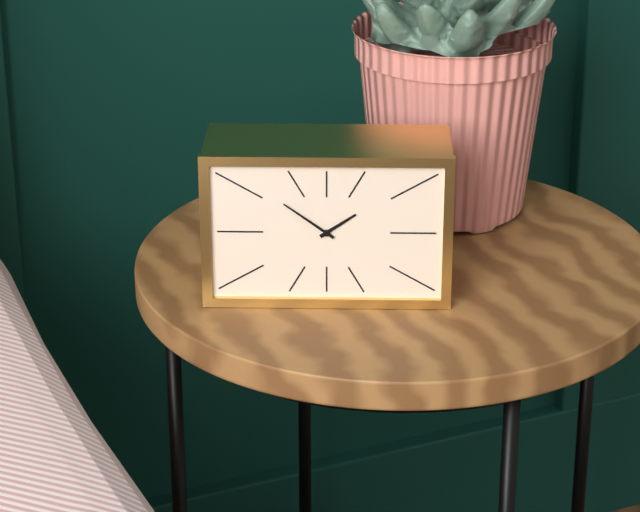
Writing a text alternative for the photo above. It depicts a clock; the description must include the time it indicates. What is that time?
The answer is 1:51
